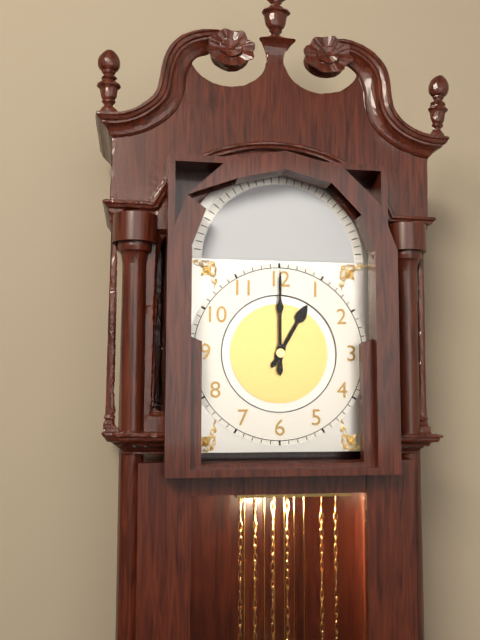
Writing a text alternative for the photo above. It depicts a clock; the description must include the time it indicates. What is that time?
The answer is 1:00
